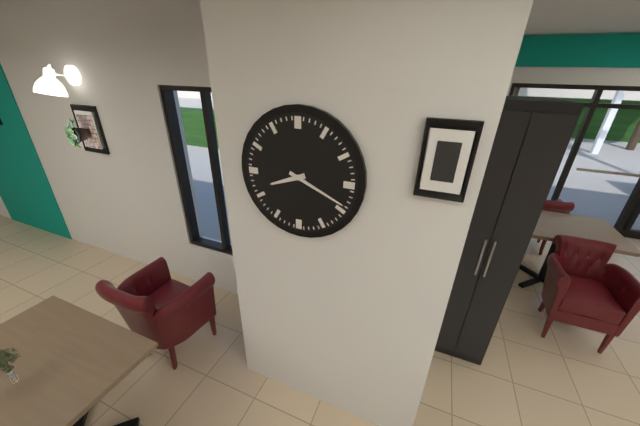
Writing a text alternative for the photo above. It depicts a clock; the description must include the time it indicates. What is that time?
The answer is 8:19
